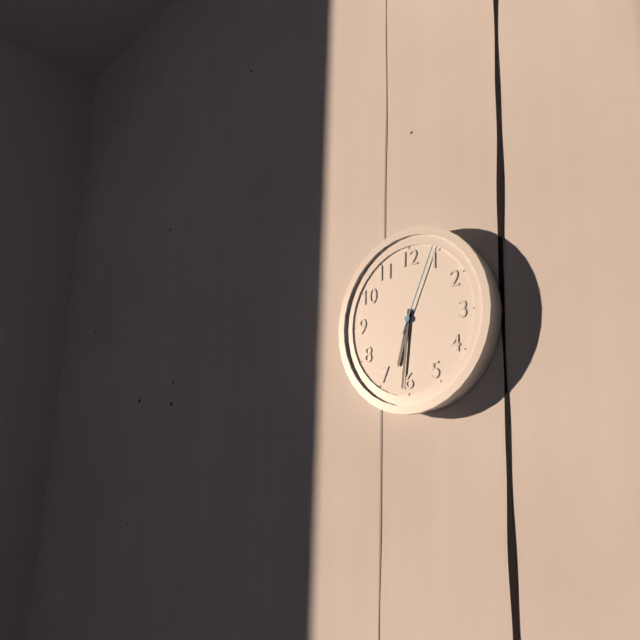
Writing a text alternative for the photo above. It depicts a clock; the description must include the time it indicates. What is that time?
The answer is 6:31:04
